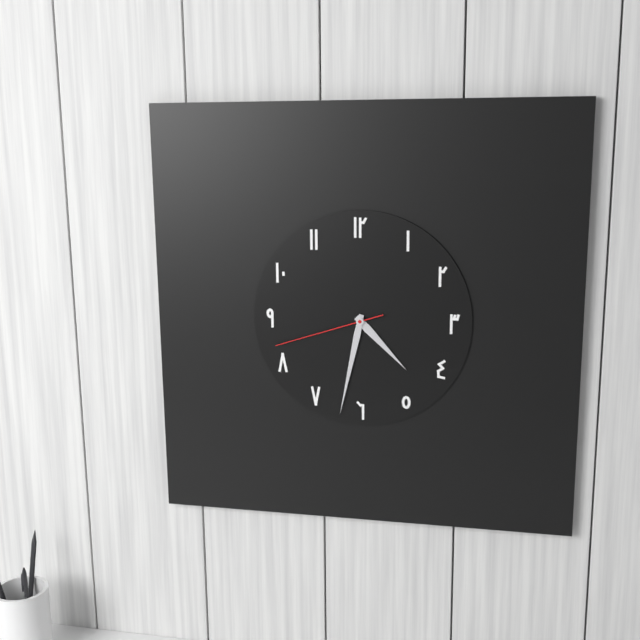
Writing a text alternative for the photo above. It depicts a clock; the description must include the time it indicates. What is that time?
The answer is 4:32:42
